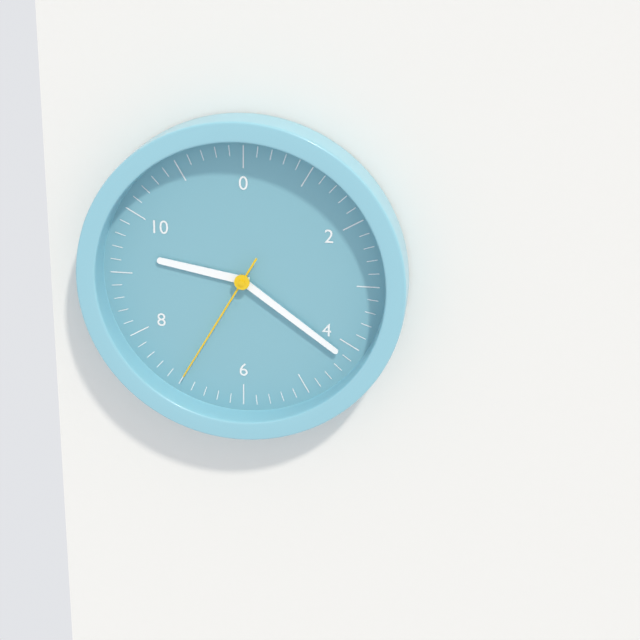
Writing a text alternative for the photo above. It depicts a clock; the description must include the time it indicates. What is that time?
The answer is 9:21:35
